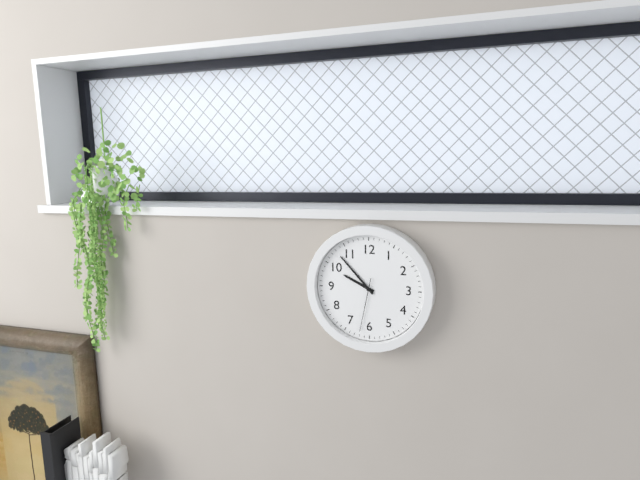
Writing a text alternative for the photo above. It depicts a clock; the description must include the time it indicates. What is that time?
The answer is 9:53:32
